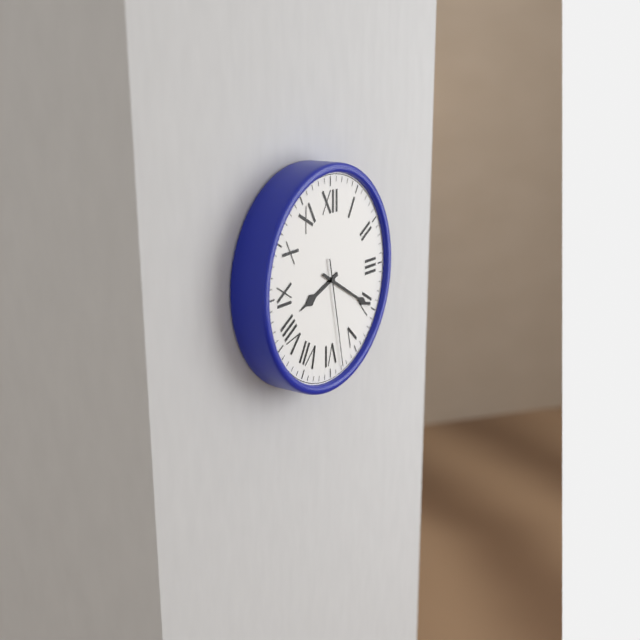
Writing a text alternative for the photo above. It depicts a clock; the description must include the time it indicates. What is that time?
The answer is 8:20:28
